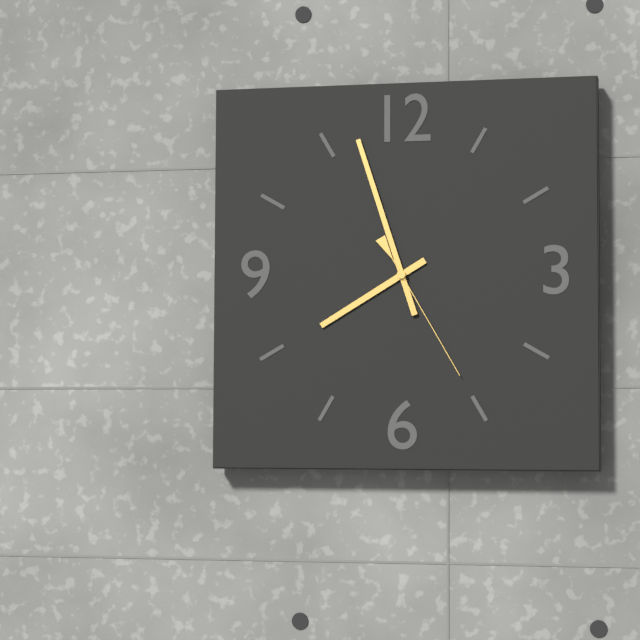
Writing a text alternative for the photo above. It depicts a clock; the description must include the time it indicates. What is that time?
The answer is 7:57:25
